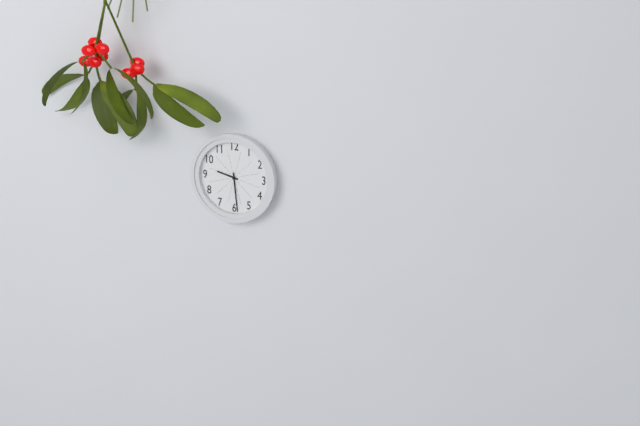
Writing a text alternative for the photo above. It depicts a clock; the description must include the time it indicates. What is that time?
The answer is 9:29
